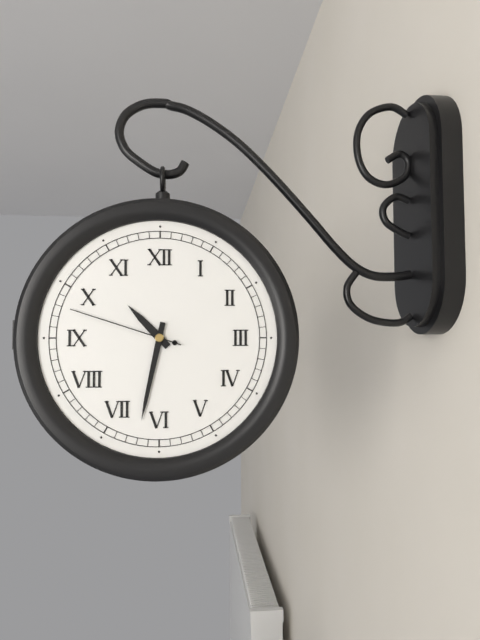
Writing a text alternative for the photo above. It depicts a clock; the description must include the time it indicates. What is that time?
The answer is 10:32:48
